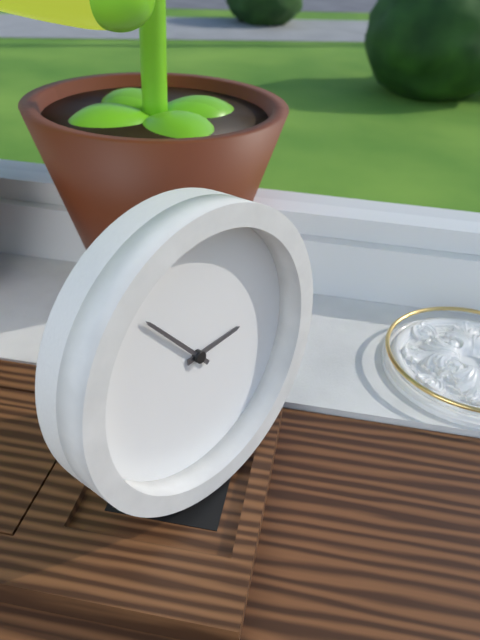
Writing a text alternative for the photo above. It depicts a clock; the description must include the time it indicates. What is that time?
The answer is 2:53
